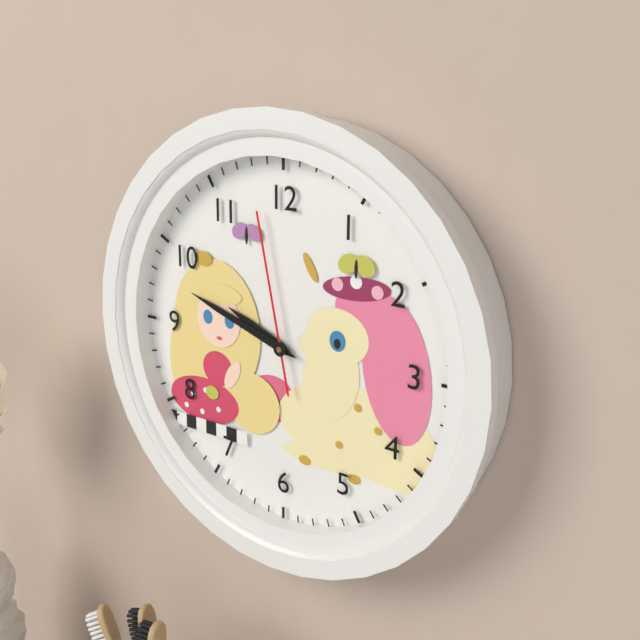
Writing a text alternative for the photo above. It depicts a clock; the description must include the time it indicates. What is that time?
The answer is 9:48:58
